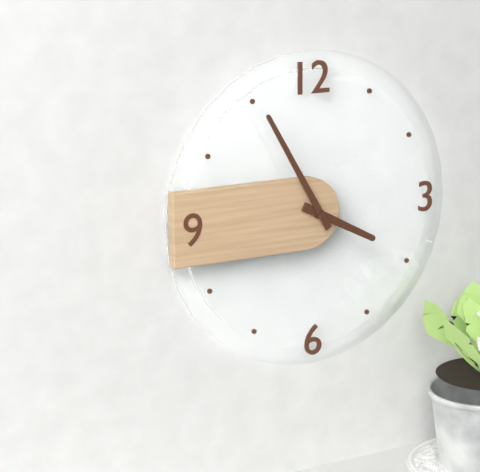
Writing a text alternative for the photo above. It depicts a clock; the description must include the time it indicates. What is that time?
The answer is 3:55
